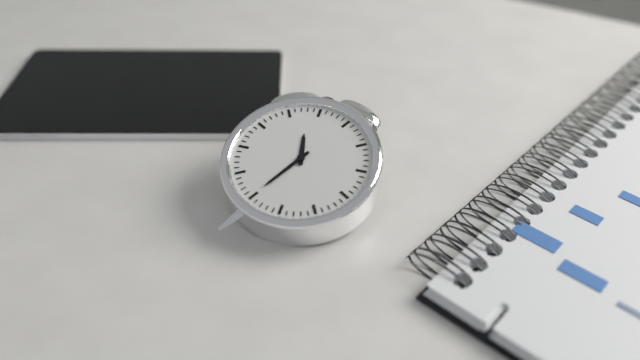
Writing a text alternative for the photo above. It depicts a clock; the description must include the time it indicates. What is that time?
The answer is 11:35
